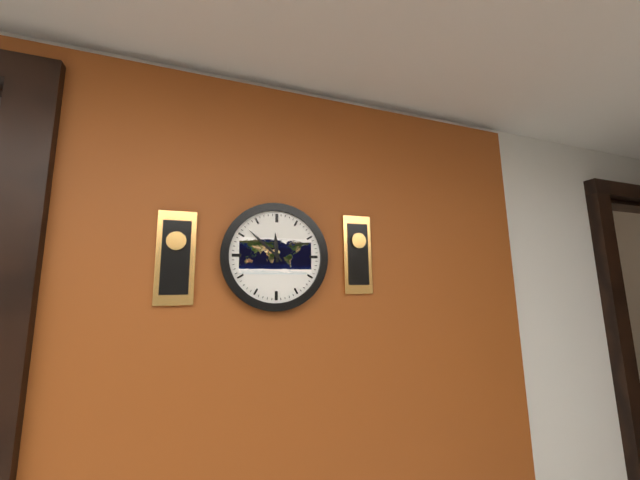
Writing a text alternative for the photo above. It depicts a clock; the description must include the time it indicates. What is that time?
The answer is 11:52
